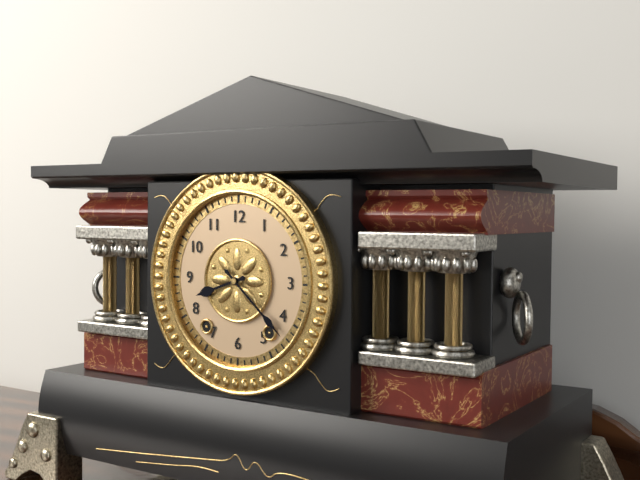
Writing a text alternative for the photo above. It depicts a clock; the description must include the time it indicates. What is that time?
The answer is 8:22
